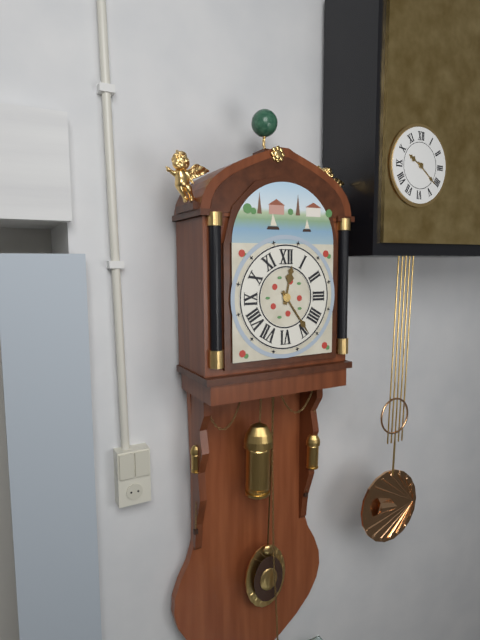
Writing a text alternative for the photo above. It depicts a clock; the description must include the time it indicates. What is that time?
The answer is 12:24
